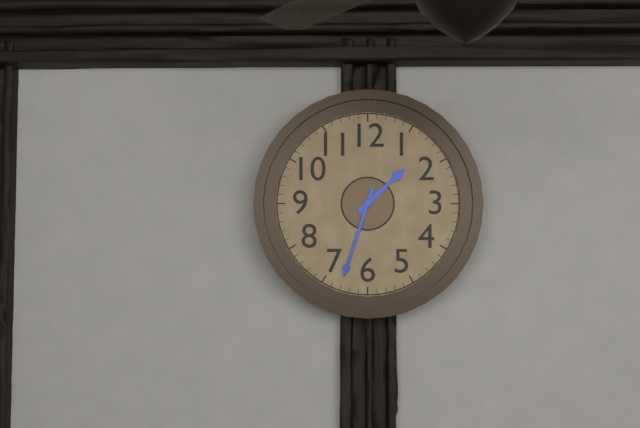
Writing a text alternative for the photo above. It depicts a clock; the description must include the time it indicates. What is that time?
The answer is 1:33
